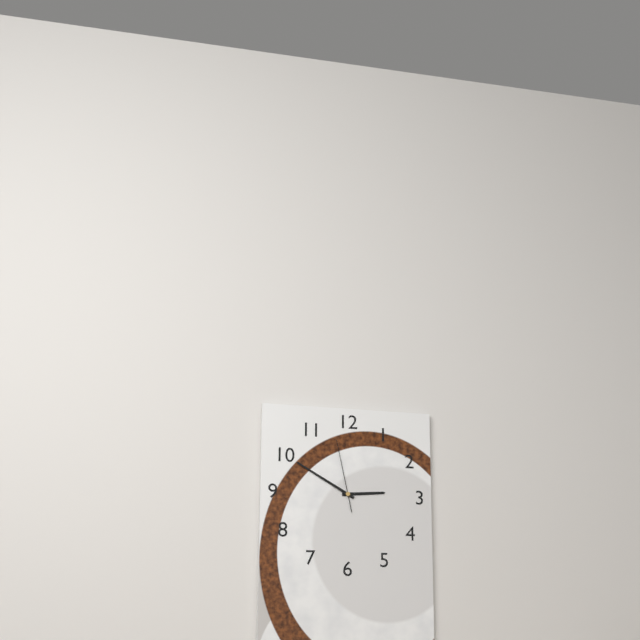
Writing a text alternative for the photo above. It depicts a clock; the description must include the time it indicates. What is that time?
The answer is 2:50:58
